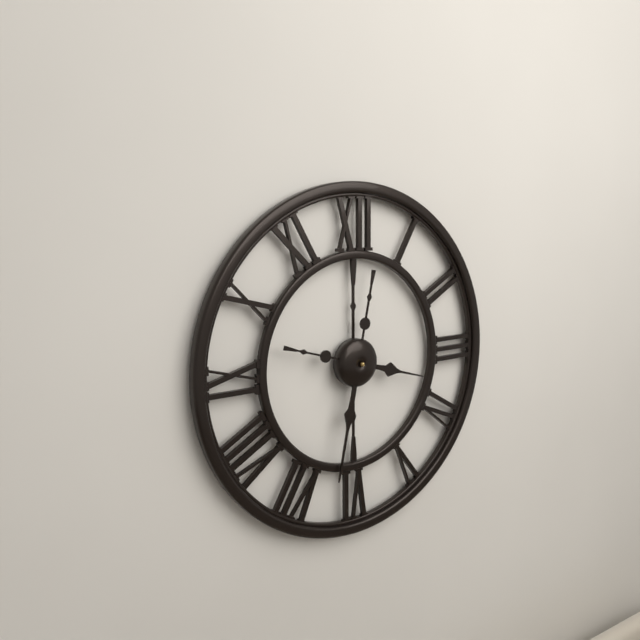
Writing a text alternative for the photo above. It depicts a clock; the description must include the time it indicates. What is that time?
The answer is 3:32
